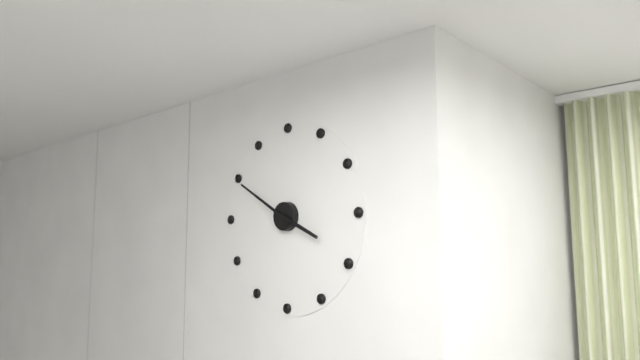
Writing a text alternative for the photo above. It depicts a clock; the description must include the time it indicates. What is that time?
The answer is 3:50
